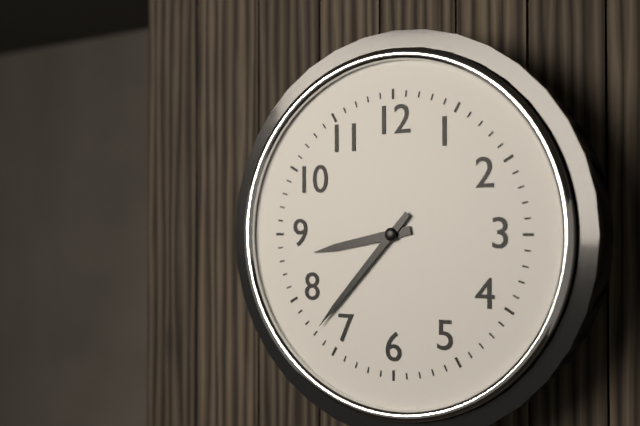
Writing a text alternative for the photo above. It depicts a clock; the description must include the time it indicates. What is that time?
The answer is 8:37
